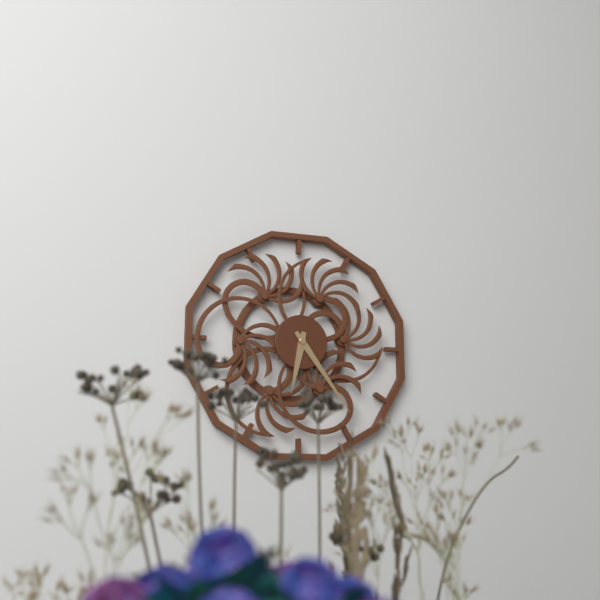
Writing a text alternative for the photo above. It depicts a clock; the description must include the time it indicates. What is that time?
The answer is 6:24
